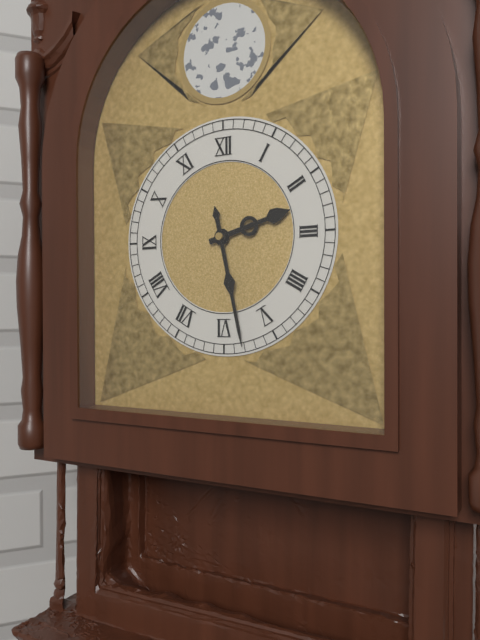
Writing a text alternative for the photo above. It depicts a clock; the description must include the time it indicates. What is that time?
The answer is 2:28
